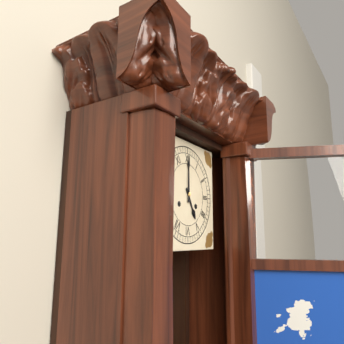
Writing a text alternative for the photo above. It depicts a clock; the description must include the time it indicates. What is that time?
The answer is 5:00
